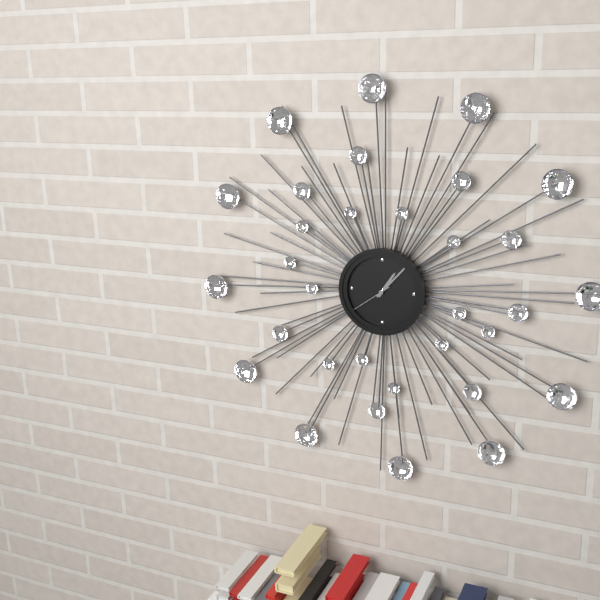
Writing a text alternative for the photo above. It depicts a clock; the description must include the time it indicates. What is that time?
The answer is 1:07
